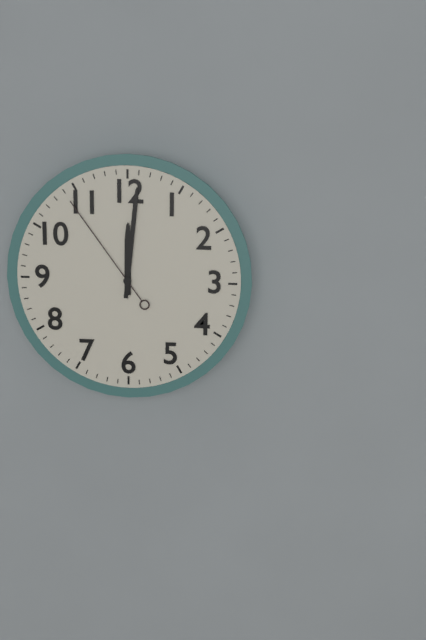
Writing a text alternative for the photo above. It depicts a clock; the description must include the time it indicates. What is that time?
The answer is 12:01:54
